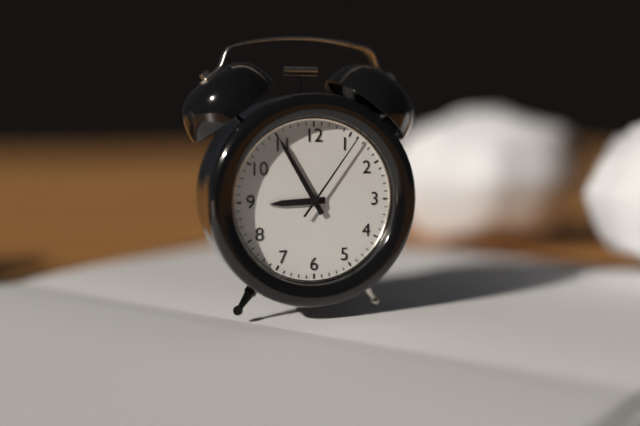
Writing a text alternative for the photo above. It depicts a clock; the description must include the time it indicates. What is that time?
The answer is 8:55:06
